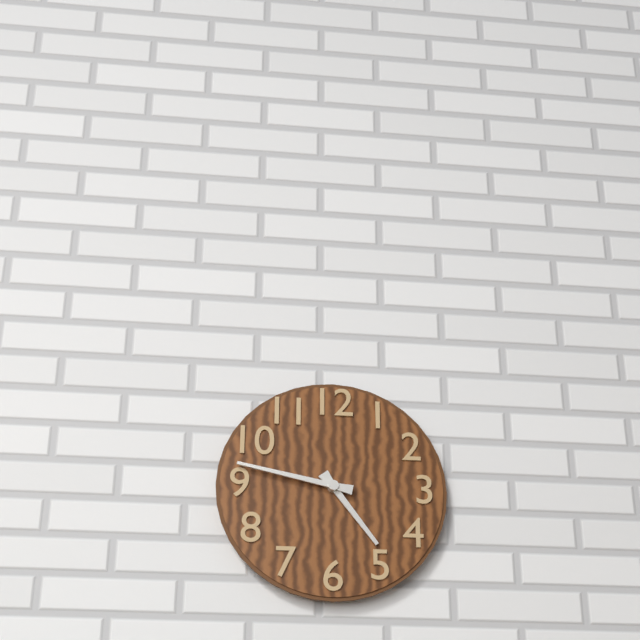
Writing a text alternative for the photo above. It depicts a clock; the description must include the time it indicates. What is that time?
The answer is 4:47
